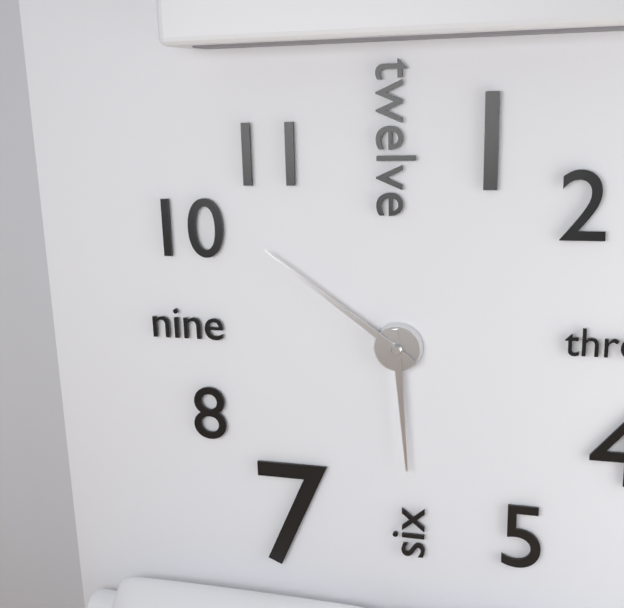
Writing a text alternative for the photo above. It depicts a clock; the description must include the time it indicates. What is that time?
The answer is 5:51
